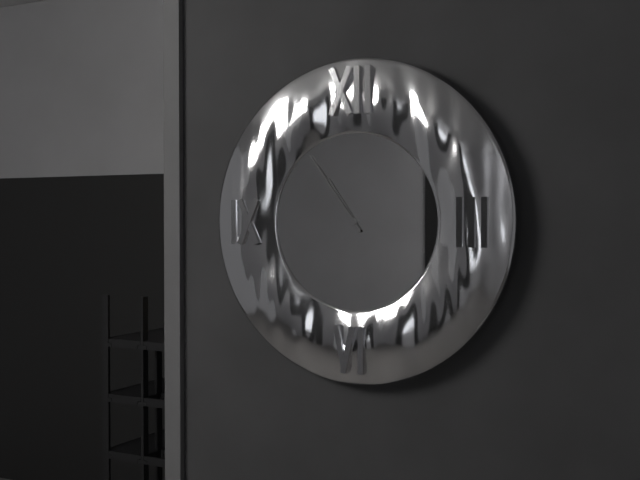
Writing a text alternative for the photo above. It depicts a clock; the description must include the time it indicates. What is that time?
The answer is 10:54
